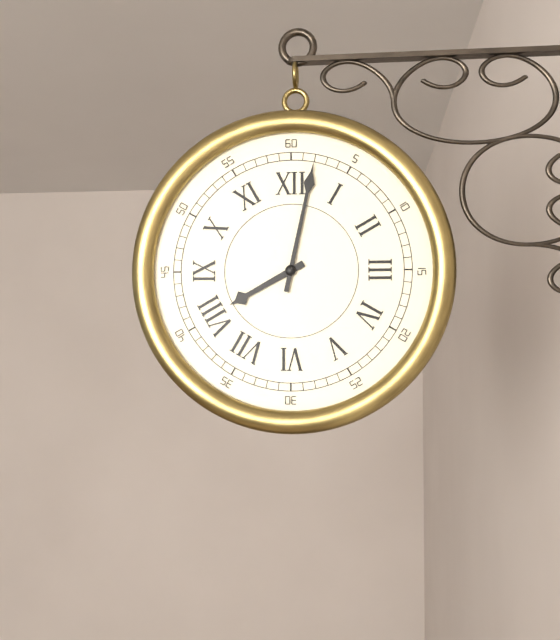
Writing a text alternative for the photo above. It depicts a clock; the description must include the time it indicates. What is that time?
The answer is 8:02
